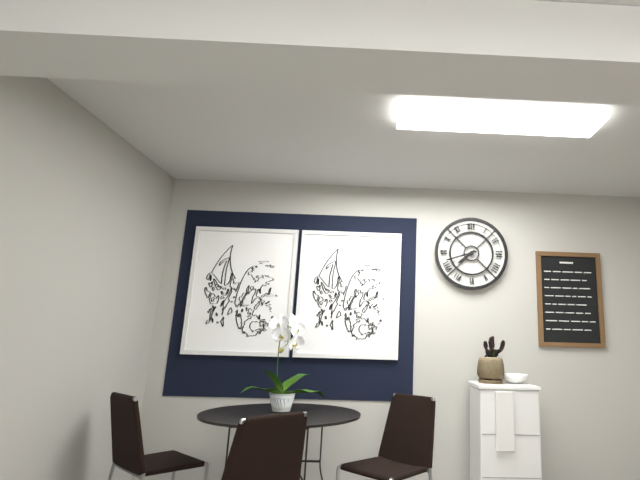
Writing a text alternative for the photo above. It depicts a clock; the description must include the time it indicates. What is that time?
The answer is 7:42
